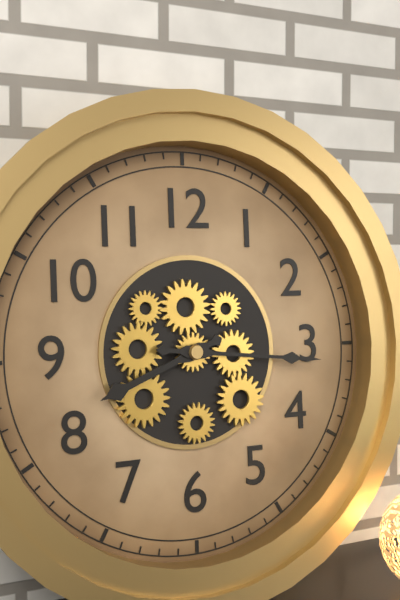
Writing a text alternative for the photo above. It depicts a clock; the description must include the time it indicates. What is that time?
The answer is 8:16
